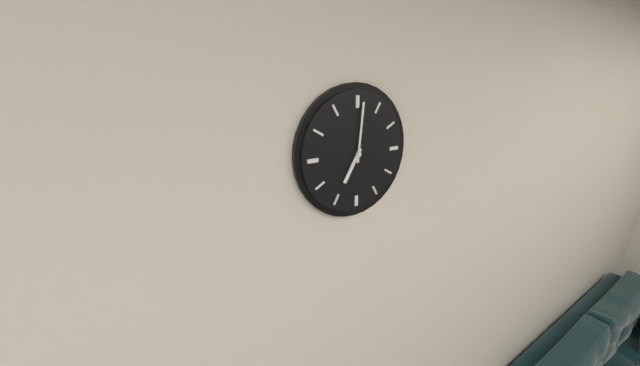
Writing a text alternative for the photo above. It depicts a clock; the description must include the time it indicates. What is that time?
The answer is 7:01
